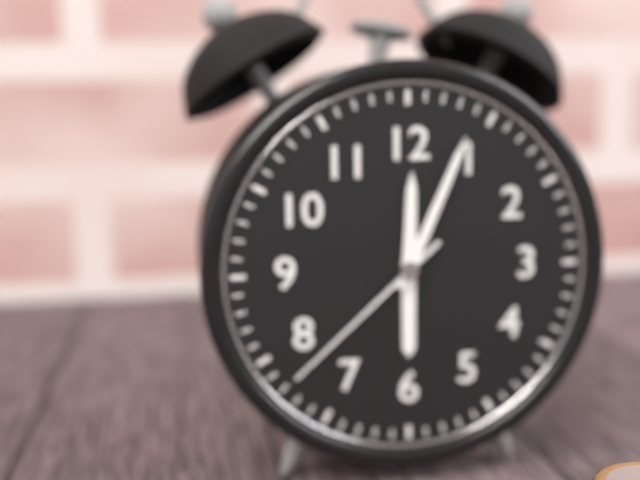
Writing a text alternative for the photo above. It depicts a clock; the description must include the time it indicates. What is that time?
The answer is 12:04:38
